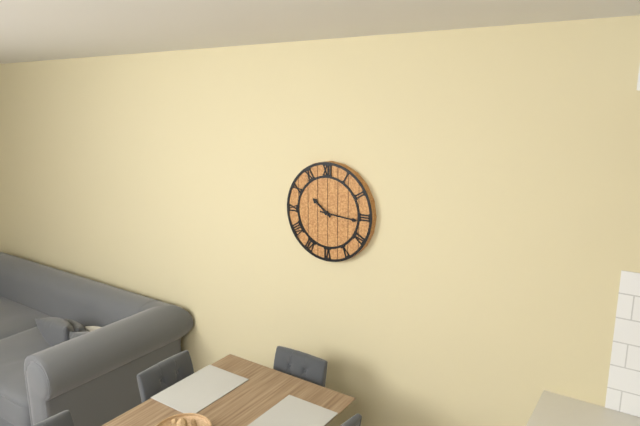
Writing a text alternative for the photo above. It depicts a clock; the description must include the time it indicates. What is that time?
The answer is 10:16
